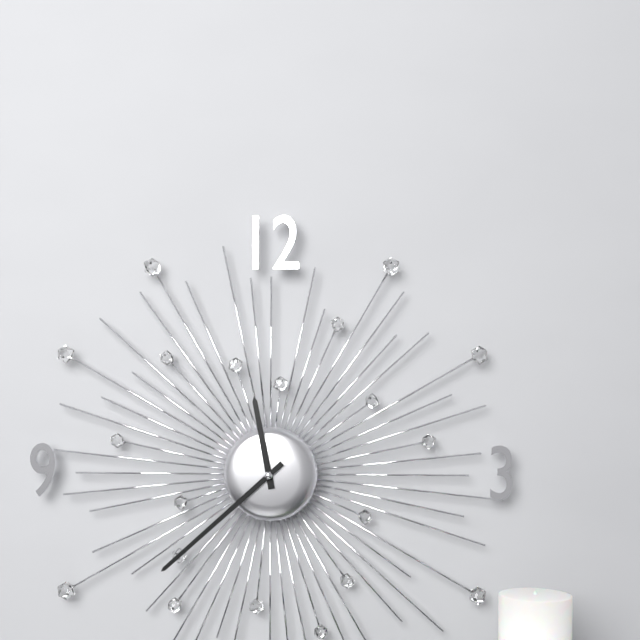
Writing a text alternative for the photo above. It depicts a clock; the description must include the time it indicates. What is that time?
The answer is 11:38
